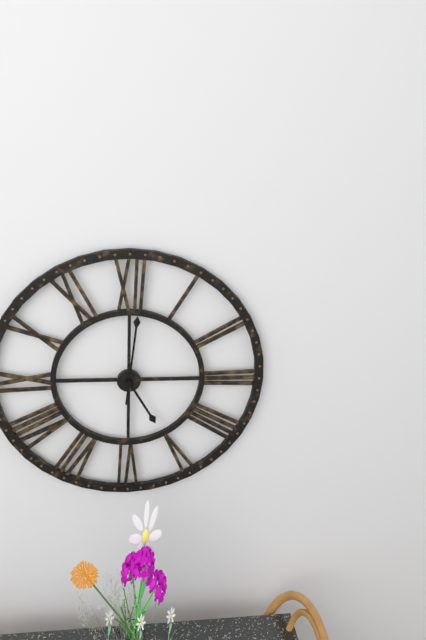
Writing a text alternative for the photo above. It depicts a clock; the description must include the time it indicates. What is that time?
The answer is 5:01
